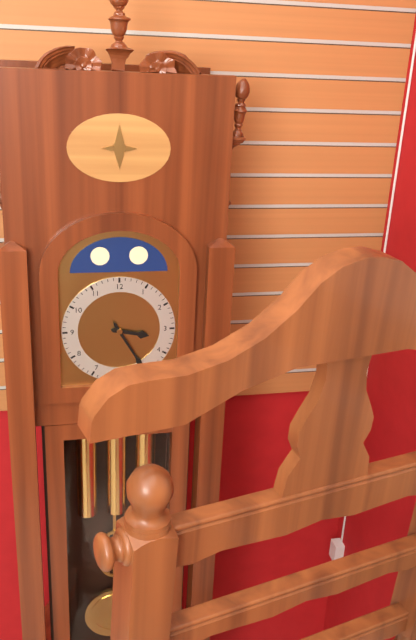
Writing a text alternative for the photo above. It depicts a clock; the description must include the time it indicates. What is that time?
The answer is 3:25
